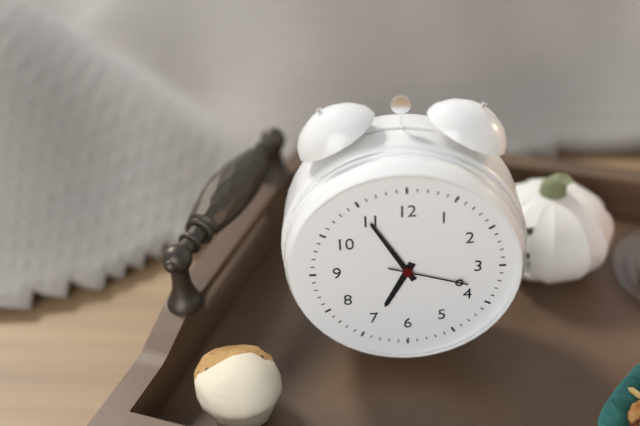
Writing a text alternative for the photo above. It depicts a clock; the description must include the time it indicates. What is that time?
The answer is 6:55:18
